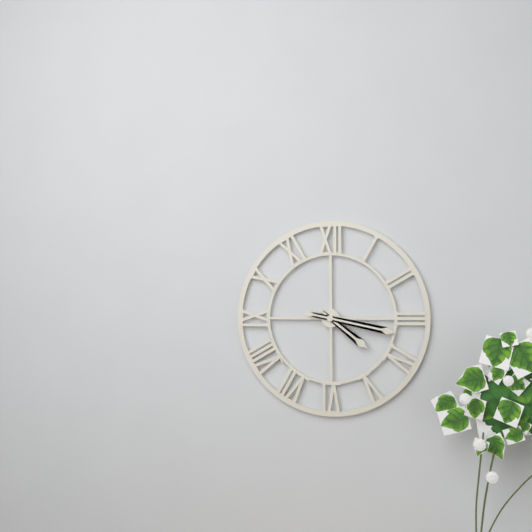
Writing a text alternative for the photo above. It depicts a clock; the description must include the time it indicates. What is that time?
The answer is 4:17
